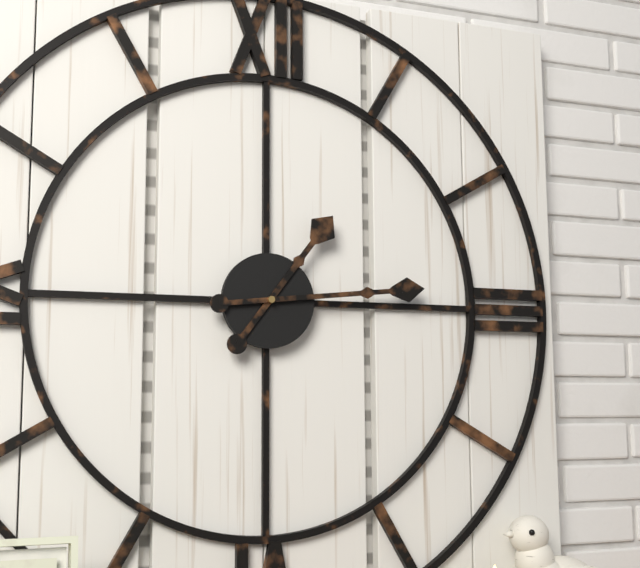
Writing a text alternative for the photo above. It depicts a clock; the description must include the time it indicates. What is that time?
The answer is 1:14
